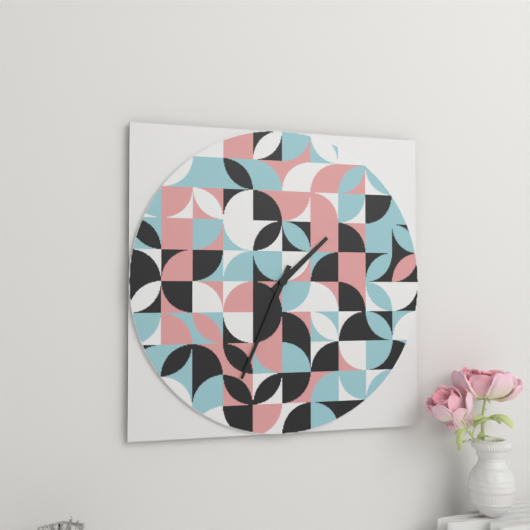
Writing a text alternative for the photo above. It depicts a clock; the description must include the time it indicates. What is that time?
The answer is 1:34
